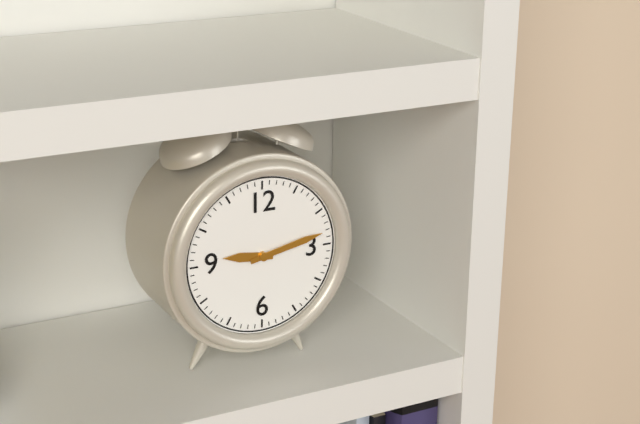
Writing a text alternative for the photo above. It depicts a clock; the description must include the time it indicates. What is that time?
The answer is 9:13
